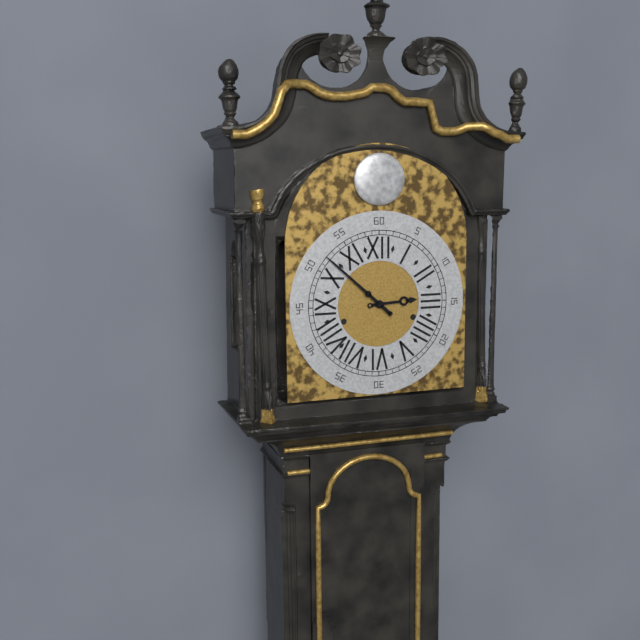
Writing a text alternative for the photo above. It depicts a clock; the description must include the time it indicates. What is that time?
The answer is 2:52
